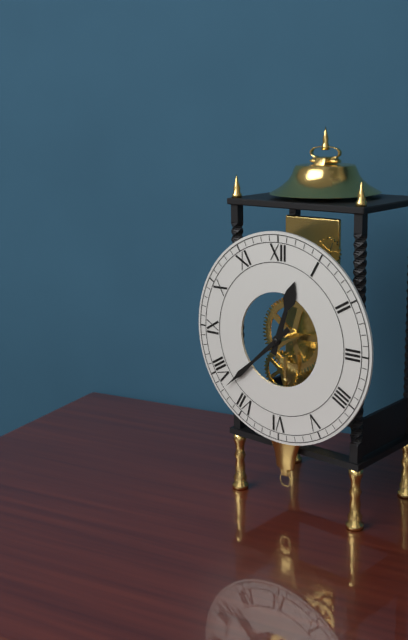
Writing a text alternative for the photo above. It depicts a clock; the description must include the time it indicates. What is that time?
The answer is 12:38
